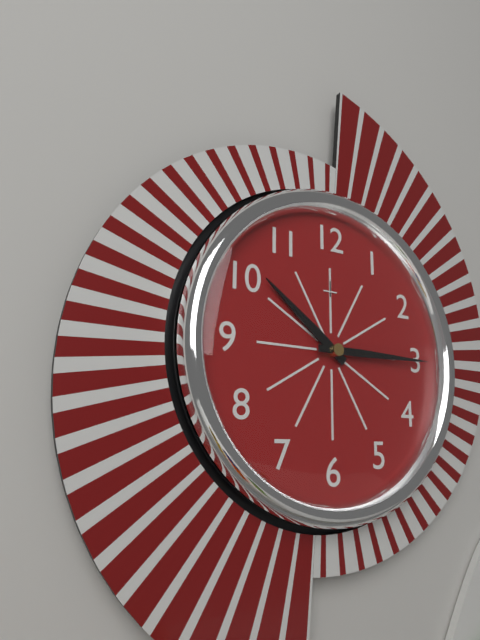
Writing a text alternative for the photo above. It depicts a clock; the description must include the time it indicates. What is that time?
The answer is 10:15
